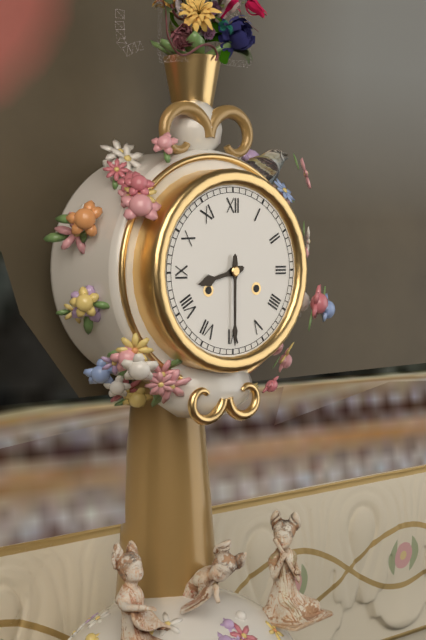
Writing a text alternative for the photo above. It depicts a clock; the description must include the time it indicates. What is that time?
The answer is 8:30
